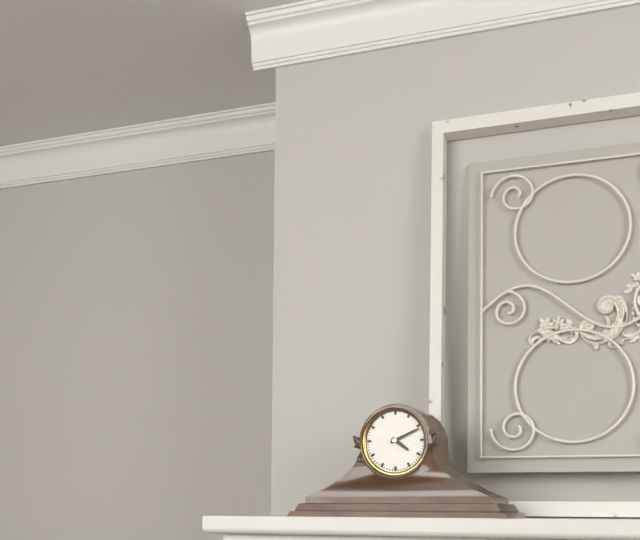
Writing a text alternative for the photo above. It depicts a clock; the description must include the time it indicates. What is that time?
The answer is 4:11
